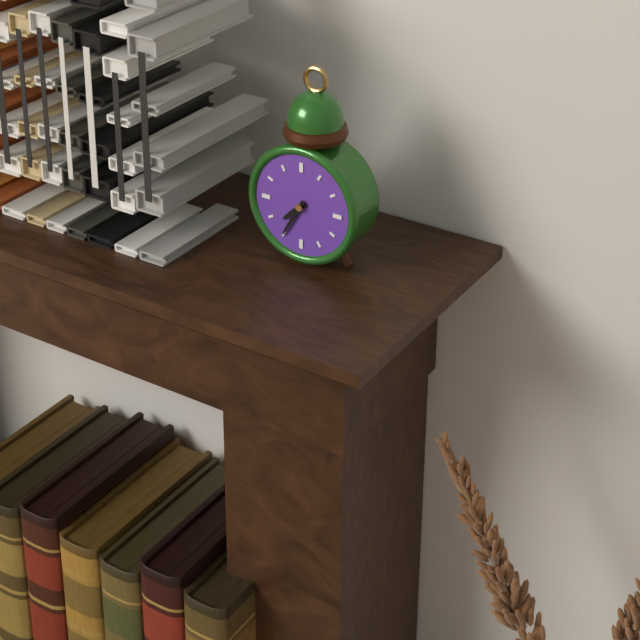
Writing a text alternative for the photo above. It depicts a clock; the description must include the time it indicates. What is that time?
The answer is 7:35
